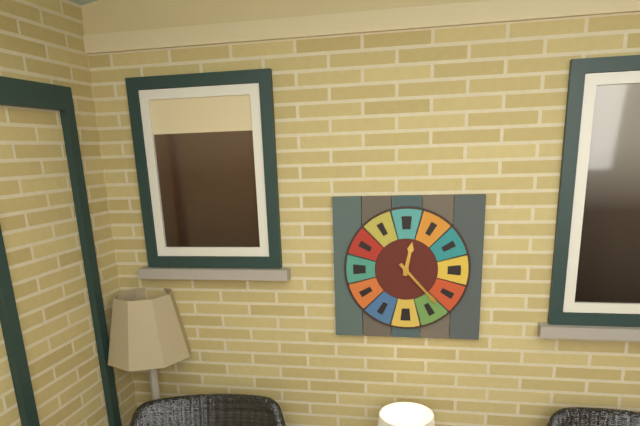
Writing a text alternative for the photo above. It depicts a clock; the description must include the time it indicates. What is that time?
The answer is 12:23
